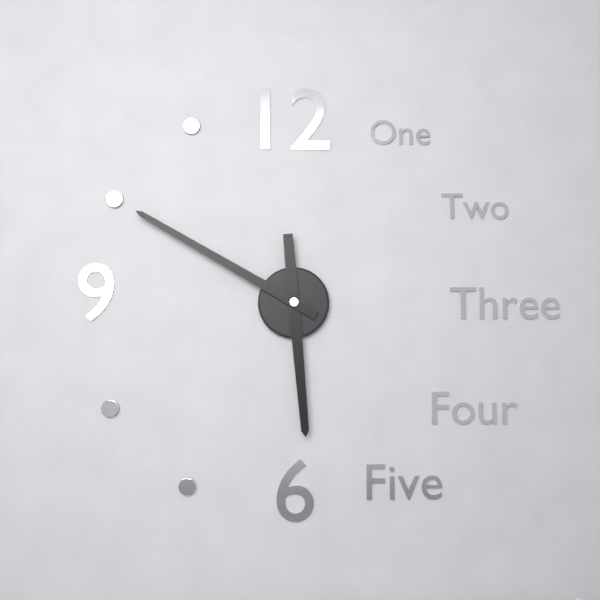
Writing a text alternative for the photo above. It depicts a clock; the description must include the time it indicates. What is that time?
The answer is 5:50
